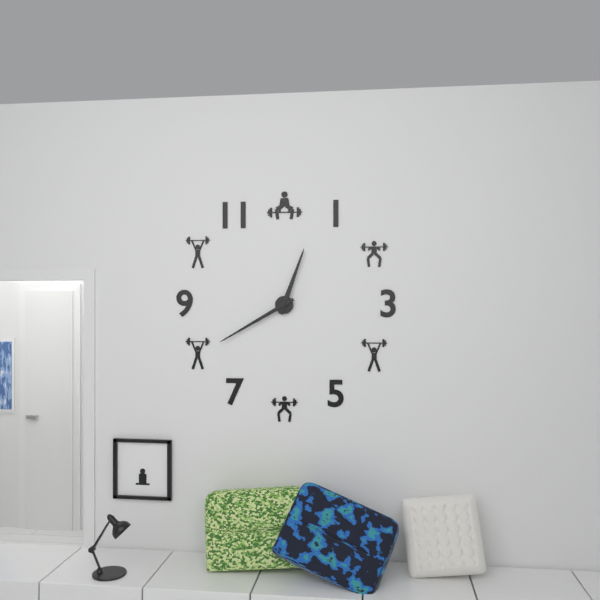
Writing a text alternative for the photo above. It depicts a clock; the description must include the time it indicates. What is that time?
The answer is 12:40
